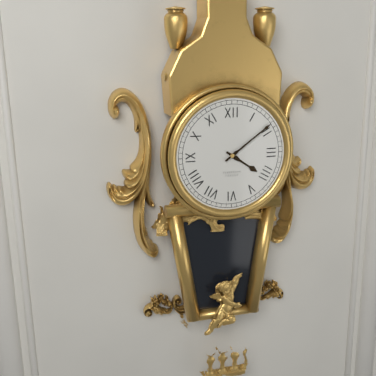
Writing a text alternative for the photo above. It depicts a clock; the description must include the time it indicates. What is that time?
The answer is 4:09
